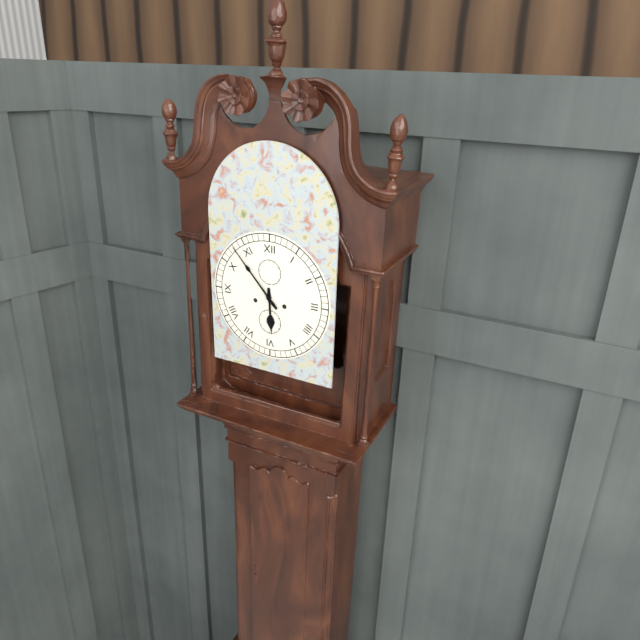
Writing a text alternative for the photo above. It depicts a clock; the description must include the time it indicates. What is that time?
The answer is 5:53
